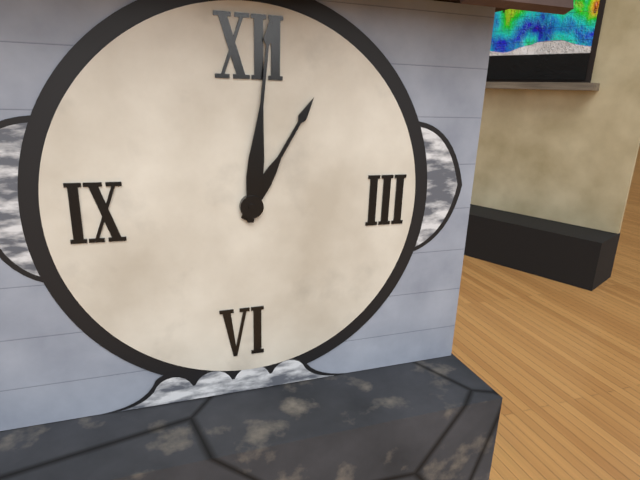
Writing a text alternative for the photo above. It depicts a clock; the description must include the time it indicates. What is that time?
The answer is 1:01
